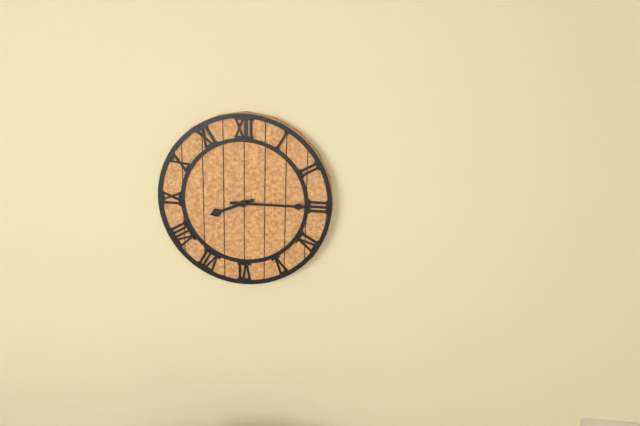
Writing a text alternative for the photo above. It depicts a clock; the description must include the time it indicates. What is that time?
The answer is 8:15
